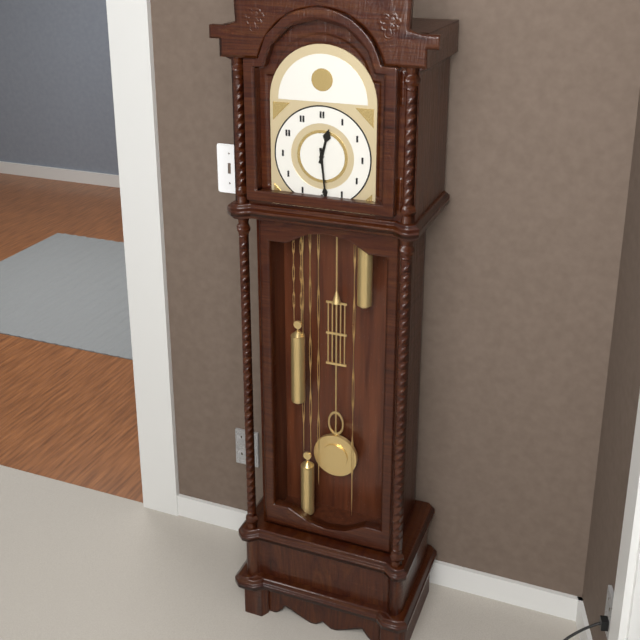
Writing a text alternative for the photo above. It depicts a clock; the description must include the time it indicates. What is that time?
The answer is 12:29
